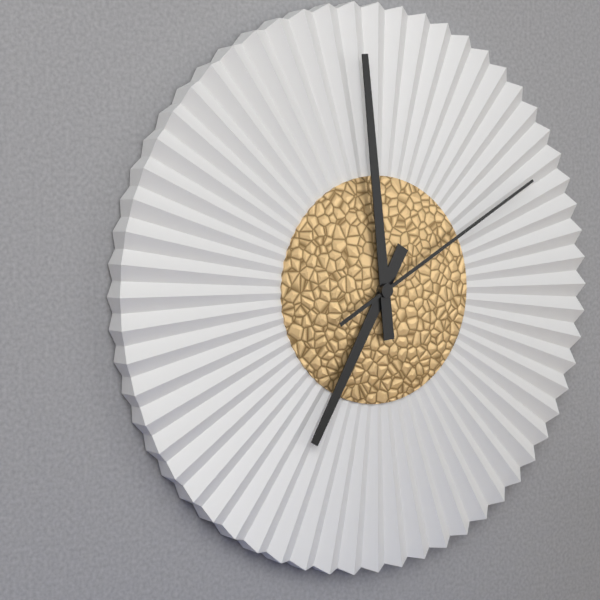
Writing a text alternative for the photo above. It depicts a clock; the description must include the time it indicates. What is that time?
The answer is 6:59:10
